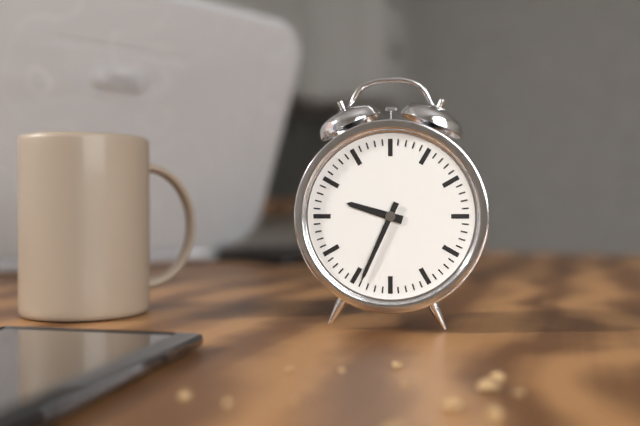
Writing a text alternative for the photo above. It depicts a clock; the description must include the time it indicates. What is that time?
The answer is 9:34
